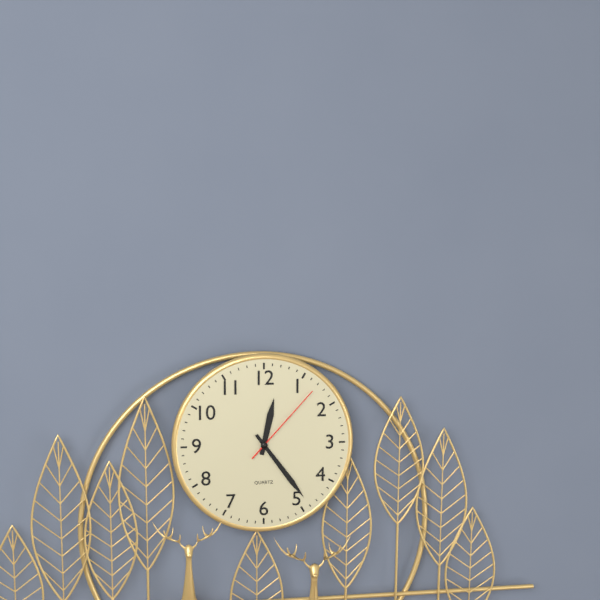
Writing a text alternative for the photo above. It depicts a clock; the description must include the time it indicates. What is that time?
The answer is 12:24:07
